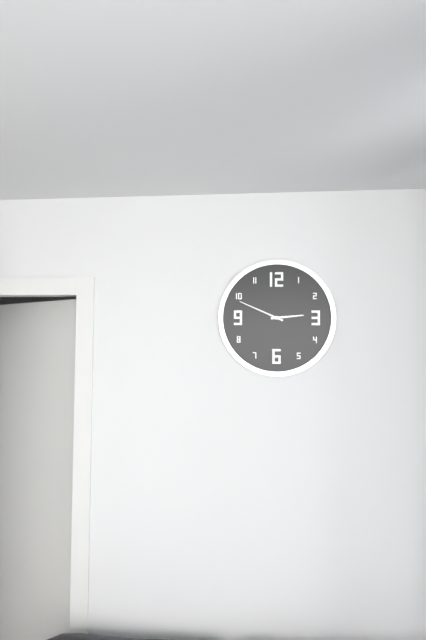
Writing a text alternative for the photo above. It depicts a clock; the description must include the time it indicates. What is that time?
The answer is 2:49
